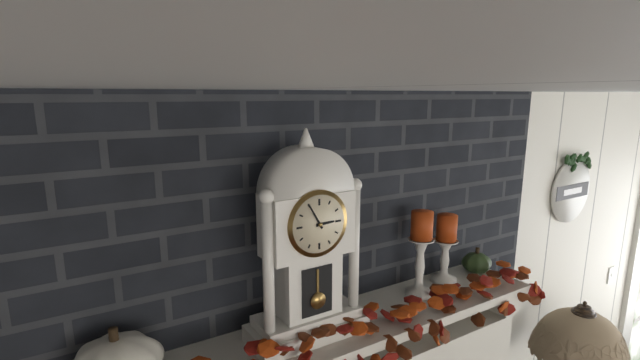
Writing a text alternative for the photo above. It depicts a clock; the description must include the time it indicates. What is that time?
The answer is 2:55
